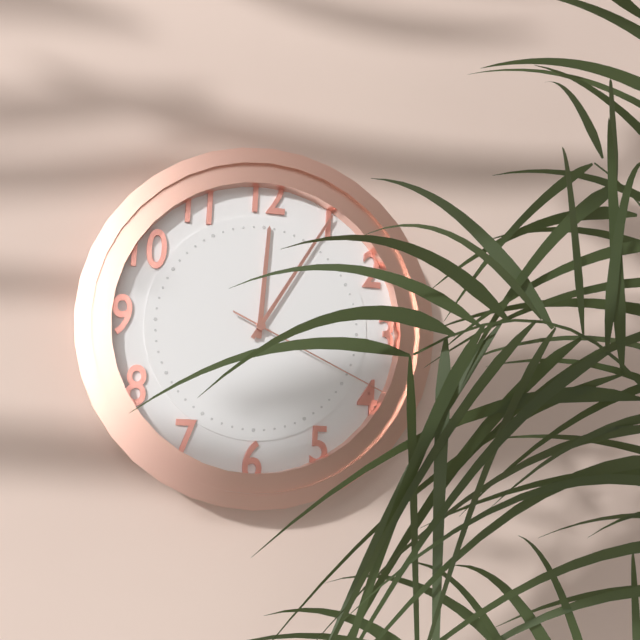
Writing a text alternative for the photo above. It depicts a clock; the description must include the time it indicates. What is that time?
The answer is 12:05:19
